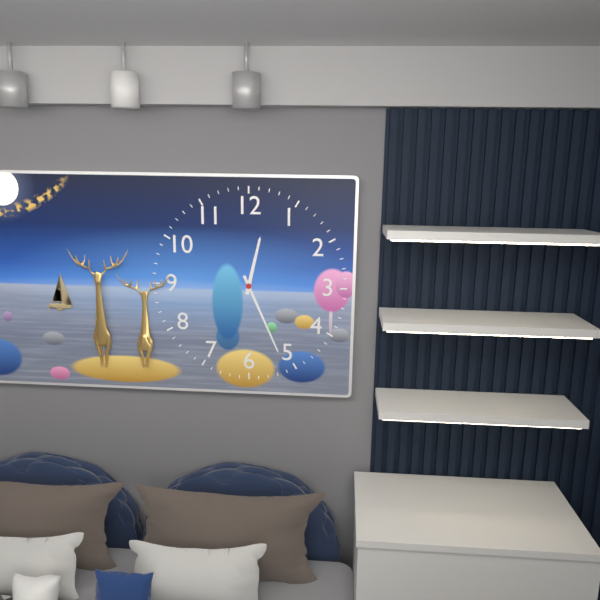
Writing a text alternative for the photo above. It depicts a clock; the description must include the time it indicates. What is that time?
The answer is 12:26
